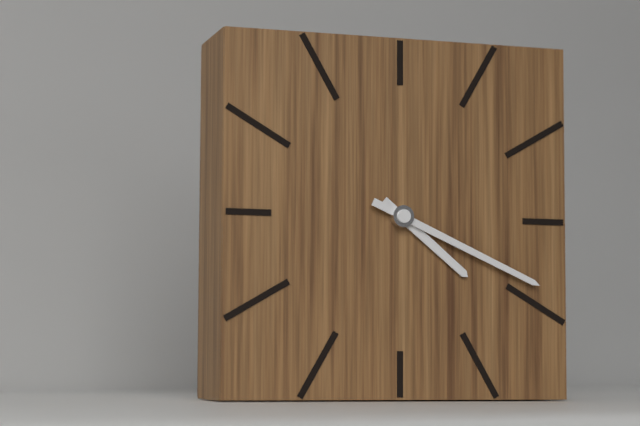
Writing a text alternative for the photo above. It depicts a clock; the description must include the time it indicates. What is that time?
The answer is 4:19
